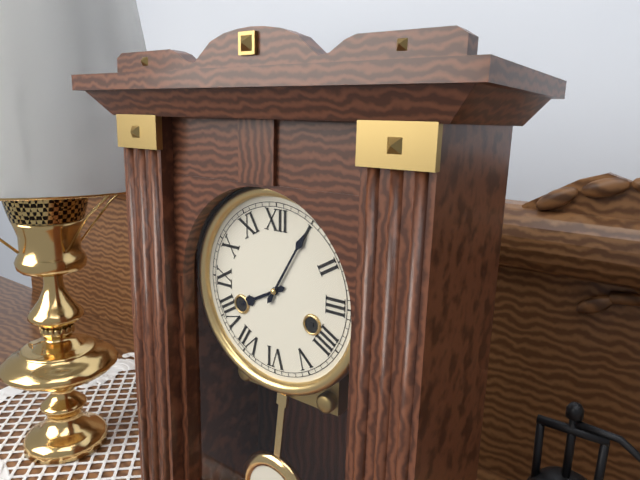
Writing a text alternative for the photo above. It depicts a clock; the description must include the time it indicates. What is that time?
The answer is 8:05
